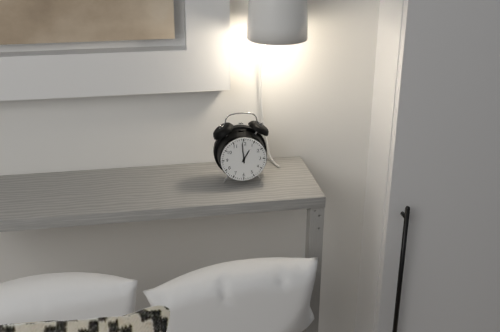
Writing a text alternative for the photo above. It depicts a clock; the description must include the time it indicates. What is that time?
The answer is 12:59
